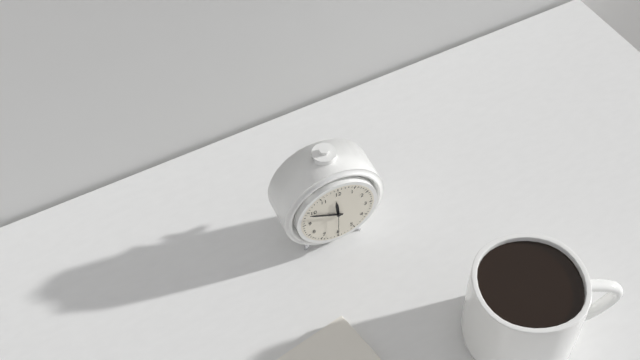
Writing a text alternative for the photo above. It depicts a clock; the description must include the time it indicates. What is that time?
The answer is 11:49
